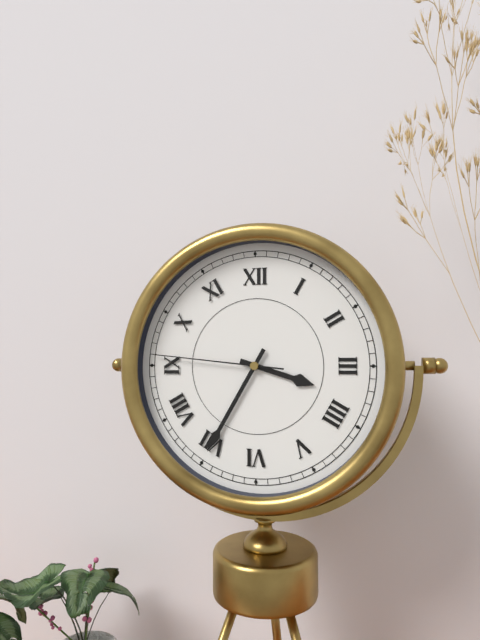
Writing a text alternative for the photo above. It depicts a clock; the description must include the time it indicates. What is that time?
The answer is 3:35:46
